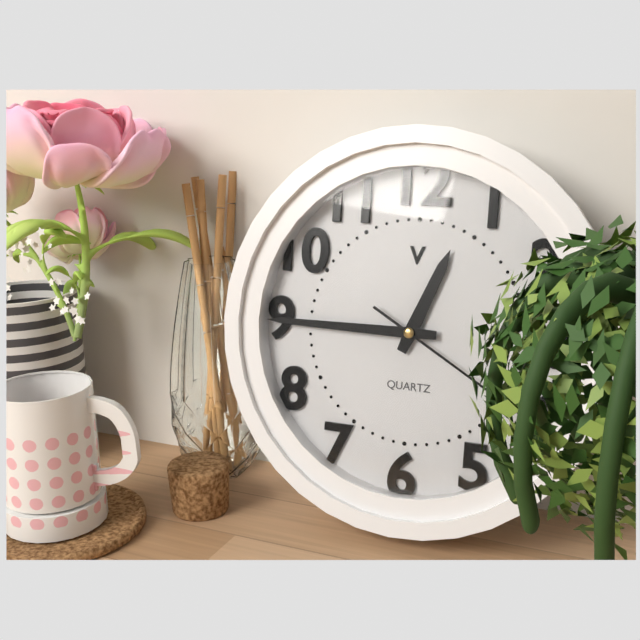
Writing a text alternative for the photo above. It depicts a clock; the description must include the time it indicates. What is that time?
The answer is 12:45
